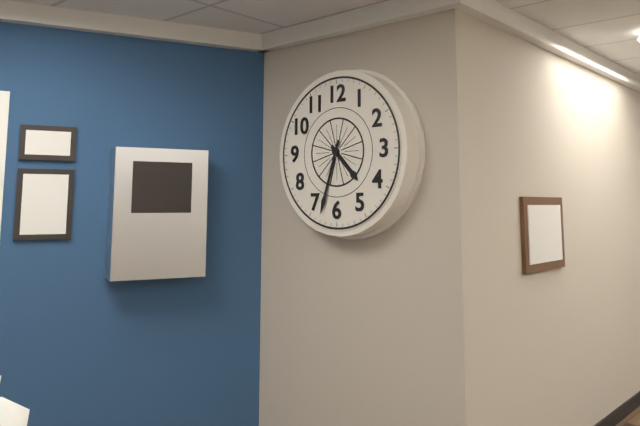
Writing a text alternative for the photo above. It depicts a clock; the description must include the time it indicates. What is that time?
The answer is 4:33
